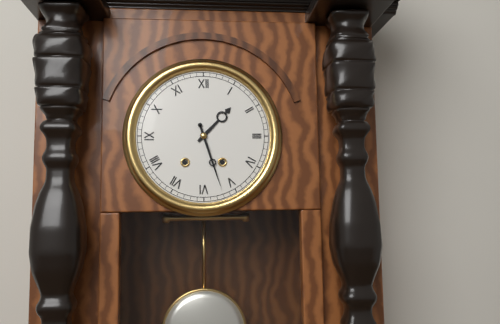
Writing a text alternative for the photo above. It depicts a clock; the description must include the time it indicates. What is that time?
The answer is 1:27
